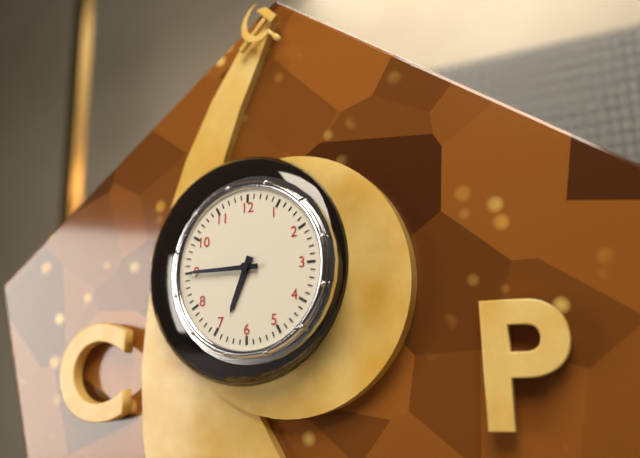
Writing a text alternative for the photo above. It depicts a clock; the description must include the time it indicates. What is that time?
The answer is 6:45
